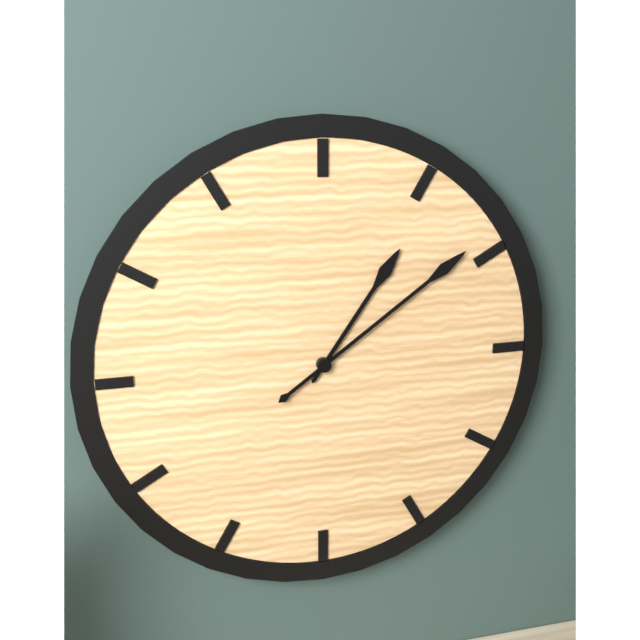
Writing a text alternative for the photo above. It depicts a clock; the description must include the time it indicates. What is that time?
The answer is 1:09
